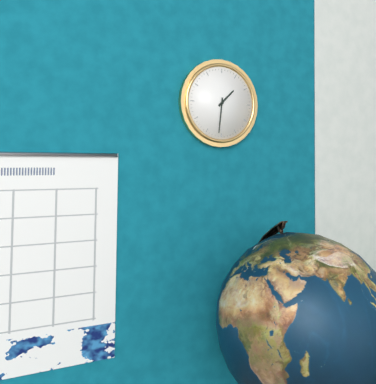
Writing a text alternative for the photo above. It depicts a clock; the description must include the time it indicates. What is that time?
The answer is 1:31
